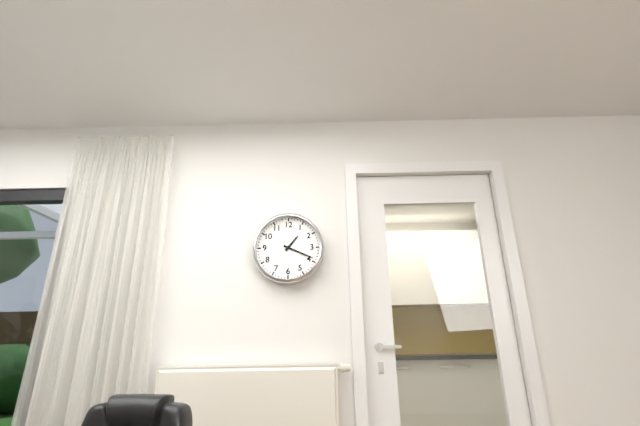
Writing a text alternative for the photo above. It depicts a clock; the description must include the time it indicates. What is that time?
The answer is 1:19
